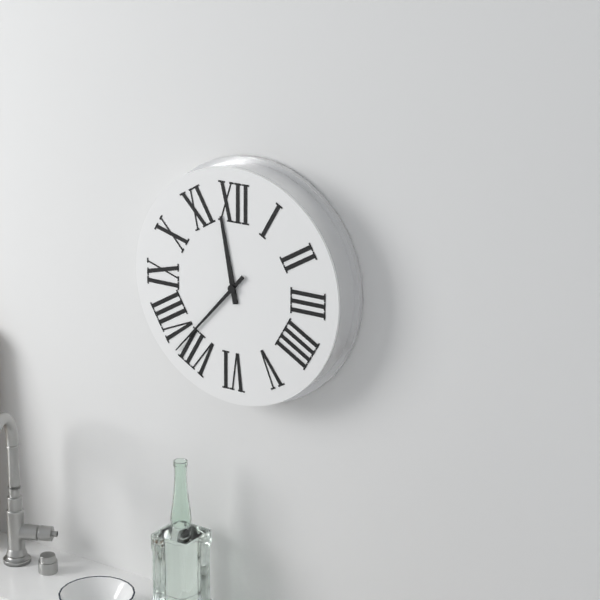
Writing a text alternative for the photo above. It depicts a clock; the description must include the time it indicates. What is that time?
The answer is 11:37
